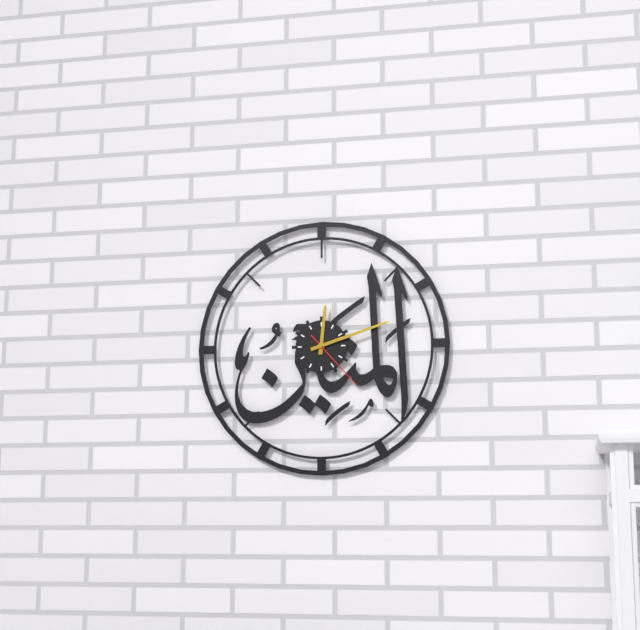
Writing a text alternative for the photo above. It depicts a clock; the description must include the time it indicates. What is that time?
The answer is 12:12:23
